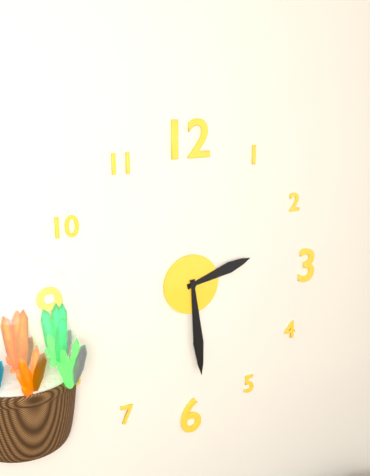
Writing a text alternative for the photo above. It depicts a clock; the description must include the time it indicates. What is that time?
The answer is 2:29
